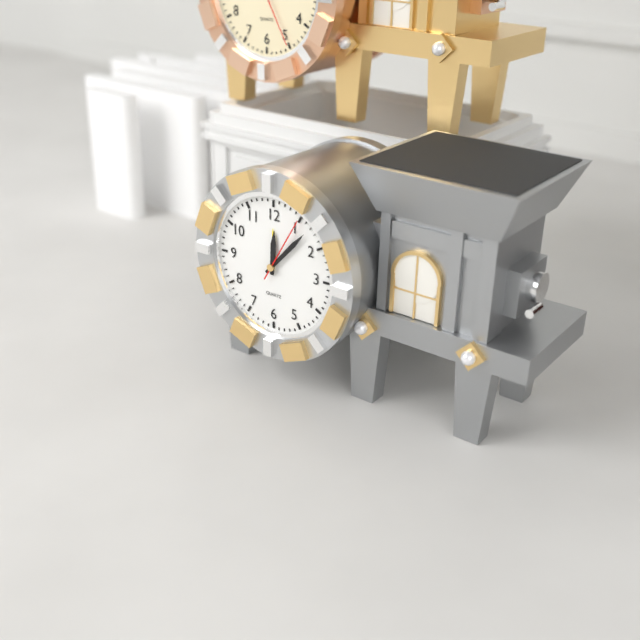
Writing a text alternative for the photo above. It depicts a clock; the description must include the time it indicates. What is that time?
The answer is 12:07:05
